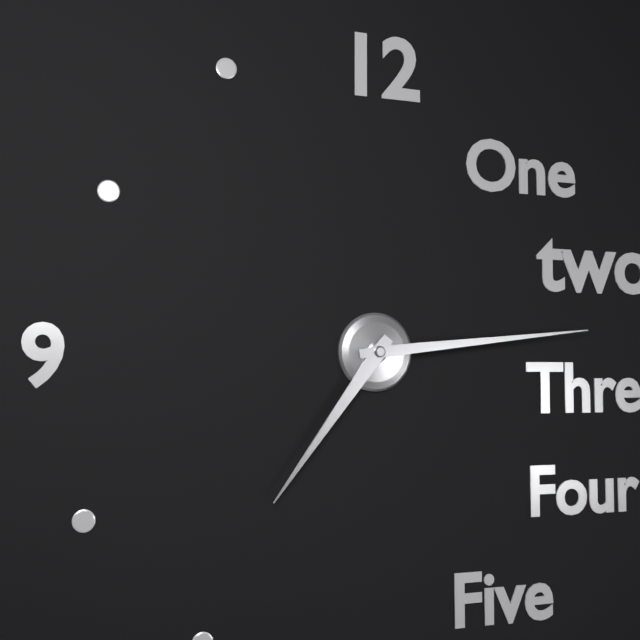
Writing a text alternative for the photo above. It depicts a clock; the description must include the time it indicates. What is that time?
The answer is 7:14
